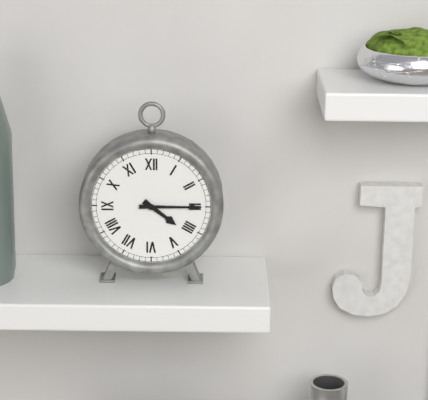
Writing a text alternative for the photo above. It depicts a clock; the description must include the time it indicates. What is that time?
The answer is 4:15
